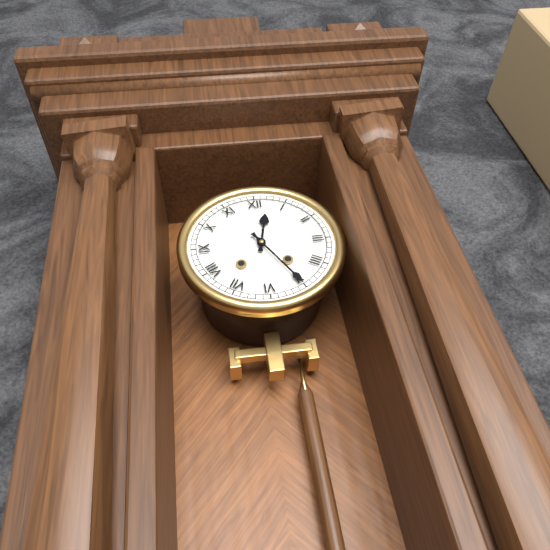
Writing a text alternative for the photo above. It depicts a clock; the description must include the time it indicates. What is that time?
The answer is 12:25
